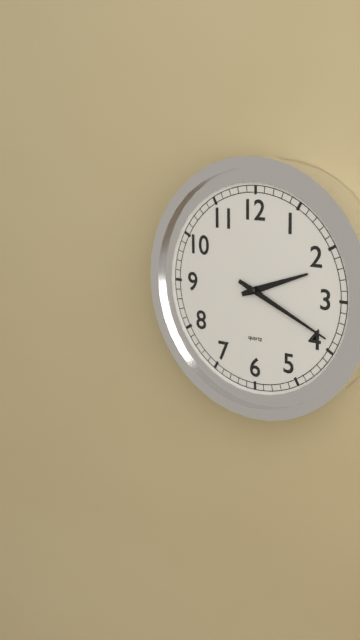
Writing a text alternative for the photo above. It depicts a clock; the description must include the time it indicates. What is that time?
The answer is 2:19
